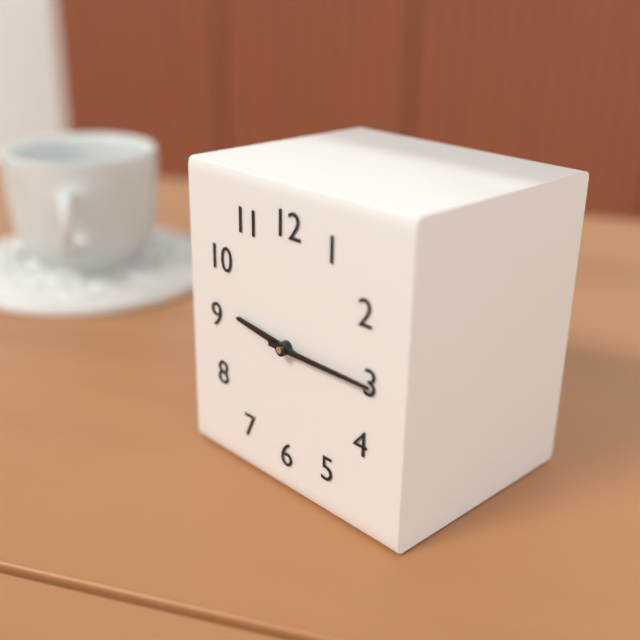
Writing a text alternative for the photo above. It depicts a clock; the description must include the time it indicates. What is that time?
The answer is 9:15
